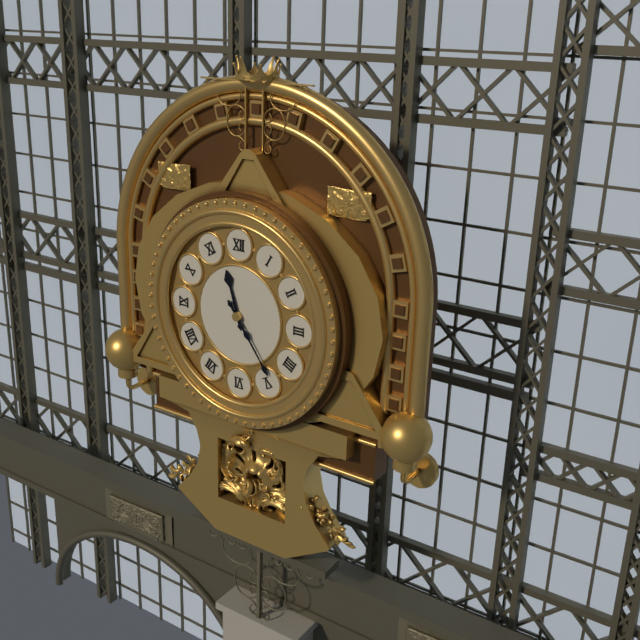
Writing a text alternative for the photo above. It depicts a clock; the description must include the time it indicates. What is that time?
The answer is 11:24
